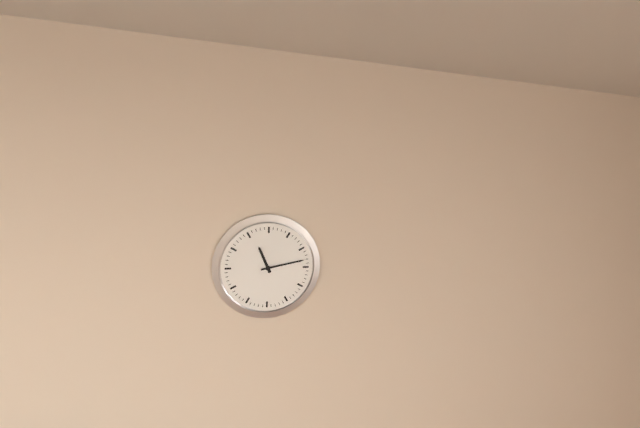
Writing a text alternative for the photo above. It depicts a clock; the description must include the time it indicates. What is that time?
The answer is 11:13
